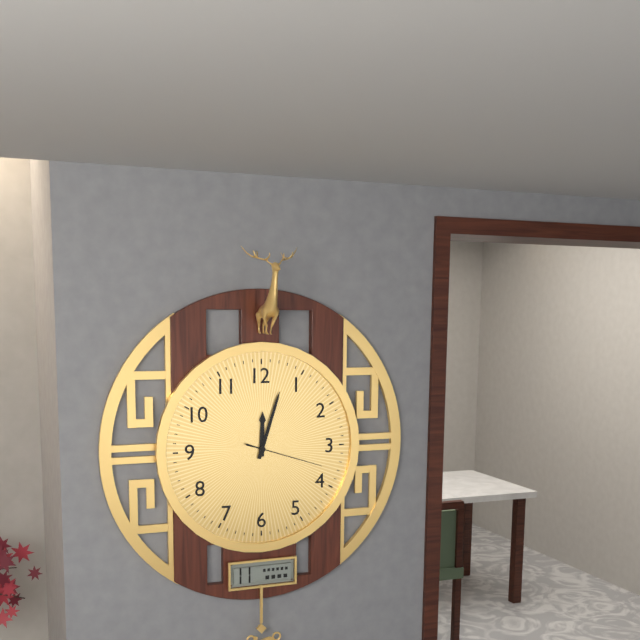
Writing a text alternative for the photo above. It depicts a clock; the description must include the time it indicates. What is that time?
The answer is 12:03:18
